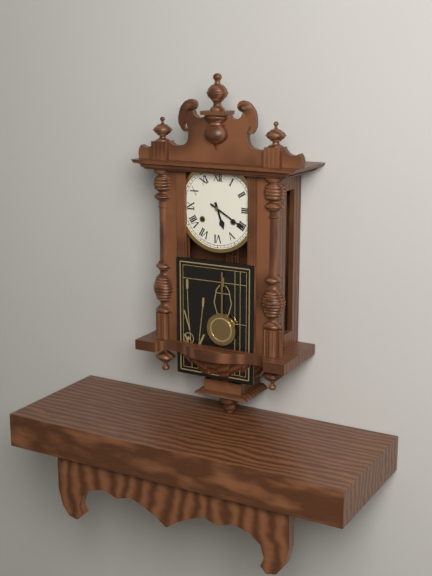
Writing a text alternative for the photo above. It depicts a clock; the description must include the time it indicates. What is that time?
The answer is 5:20
